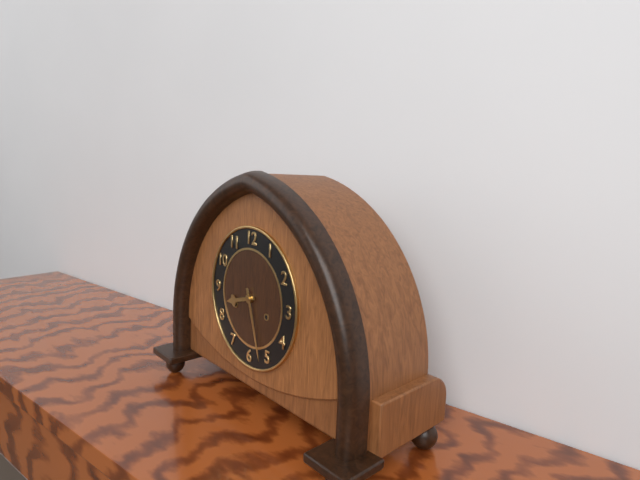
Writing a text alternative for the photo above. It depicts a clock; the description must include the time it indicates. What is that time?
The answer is 8:27
